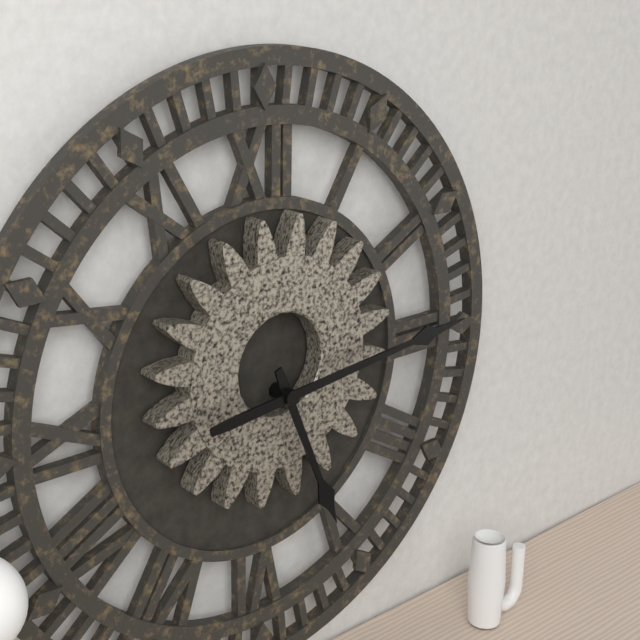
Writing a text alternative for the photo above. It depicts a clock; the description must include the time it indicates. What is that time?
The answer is 5:14
